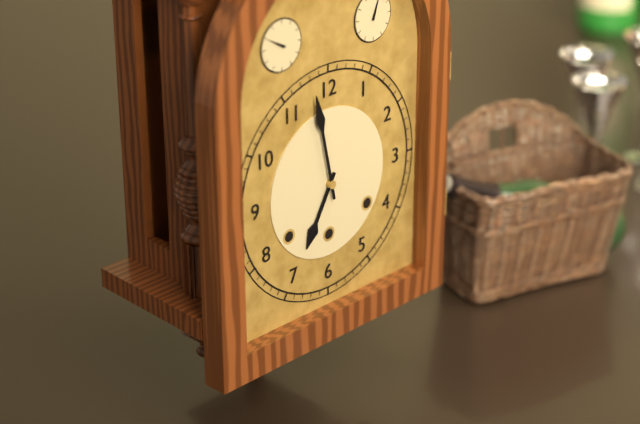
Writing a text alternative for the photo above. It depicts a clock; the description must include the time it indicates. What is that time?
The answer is 6:58
